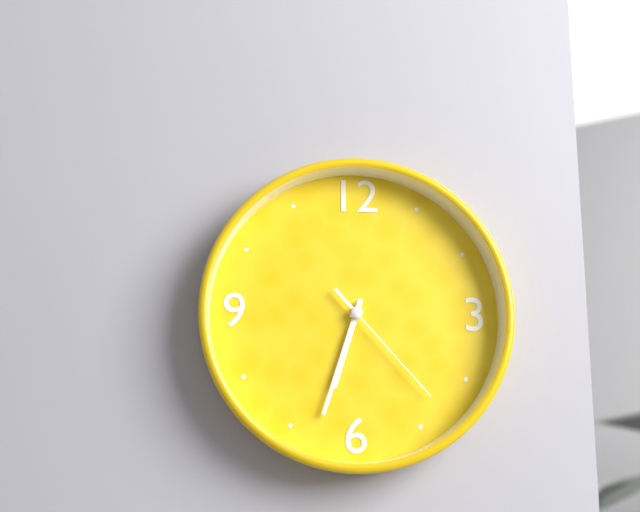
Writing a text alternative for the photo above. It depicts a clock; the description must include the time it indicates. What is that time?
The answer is 6:33:23
